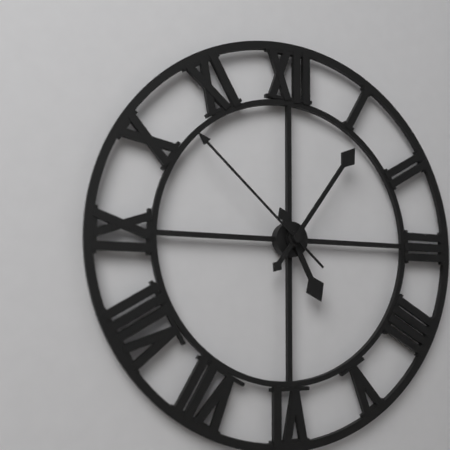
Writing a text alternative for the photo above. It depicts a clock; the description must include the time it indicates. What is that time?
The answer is 5:06:52
